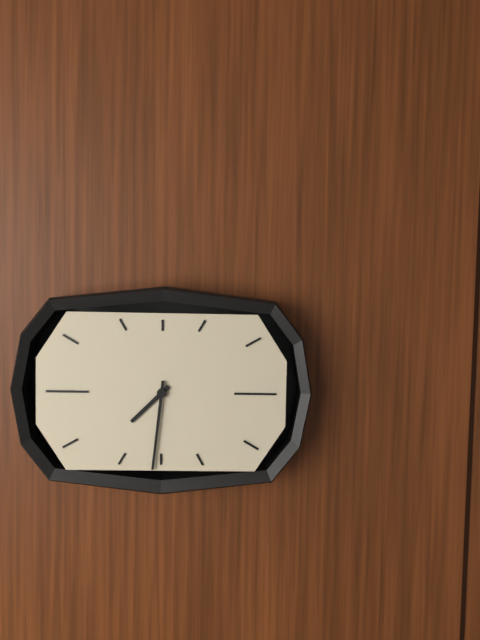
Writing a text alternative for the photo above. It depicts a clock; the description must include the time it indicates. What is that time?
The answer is 7:31
